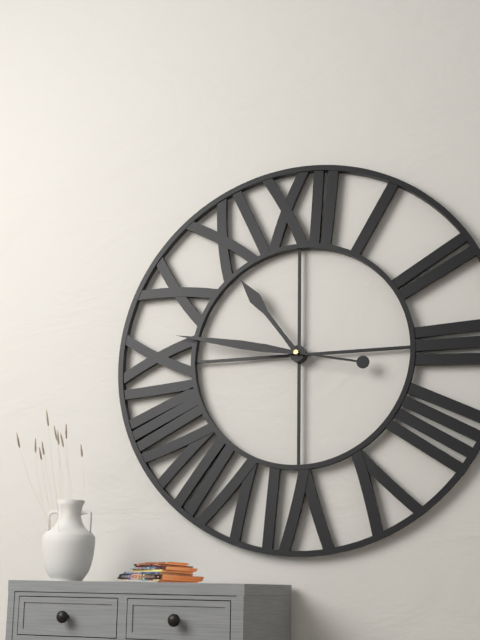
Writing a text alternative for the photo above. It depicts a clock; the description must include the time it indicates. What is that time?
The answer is 10:47
